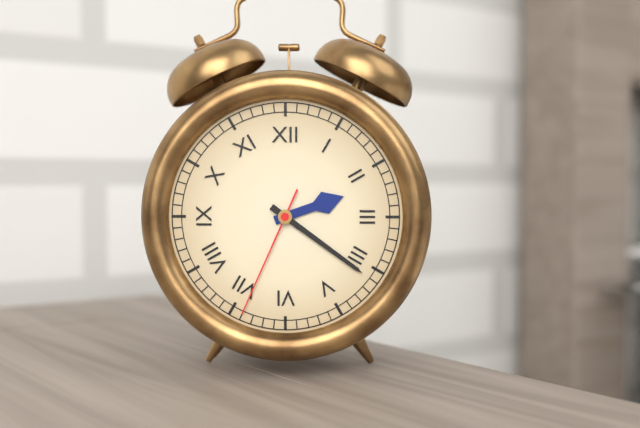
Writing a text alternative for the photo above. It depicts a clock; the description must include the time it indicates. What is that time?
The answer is 2:21:34
